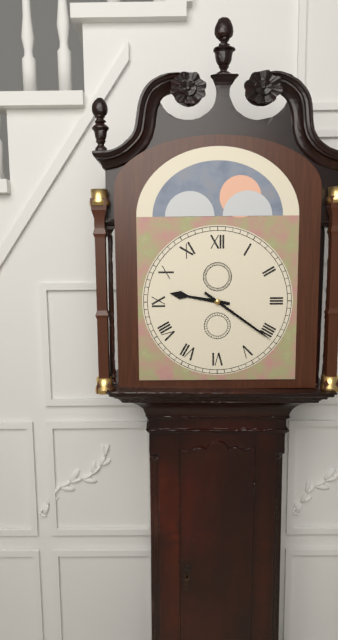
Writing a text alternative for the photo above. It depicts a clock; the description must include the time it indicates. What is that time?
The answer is 9:21
